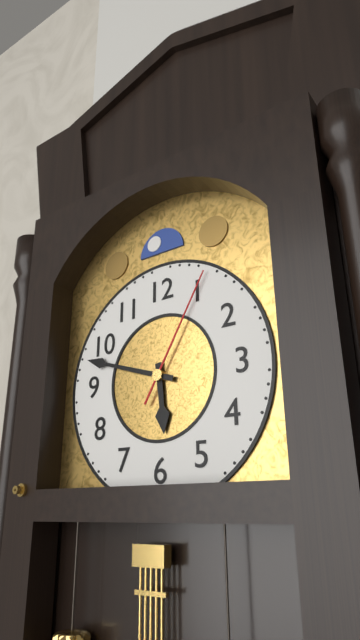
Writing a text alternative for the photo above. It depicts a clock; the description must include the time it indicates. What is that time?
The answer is 5:48:05
